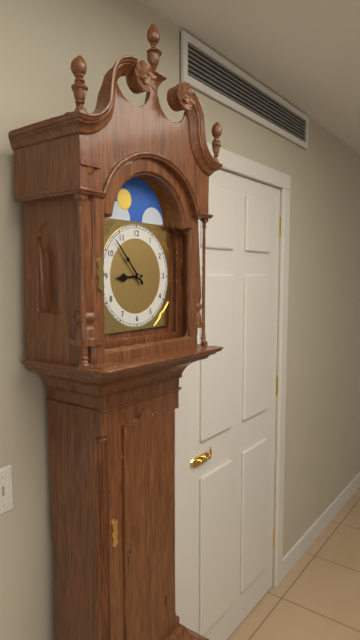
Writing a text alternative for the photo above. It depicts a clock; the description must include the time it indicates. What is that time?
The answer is 8:53
